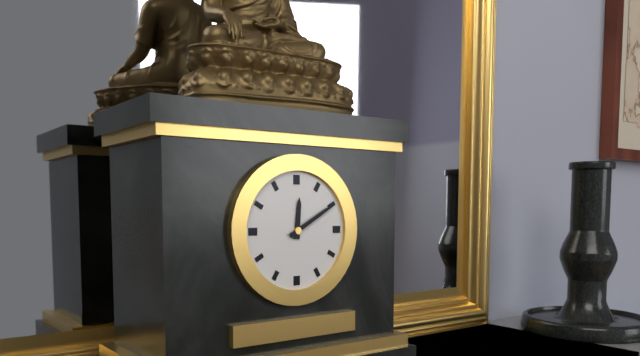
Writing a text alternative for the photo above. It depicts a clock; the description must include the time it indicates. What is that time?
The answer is 12:10
